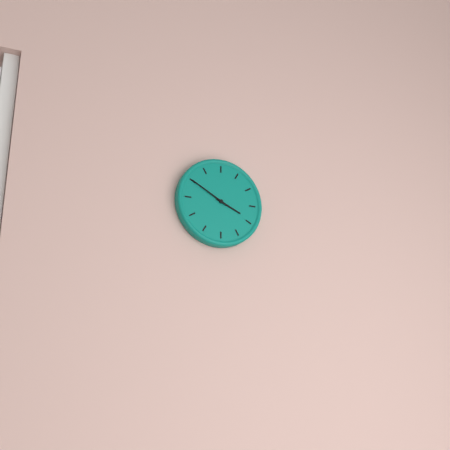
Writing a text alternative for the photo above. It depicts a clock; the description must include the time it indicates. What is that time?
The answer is 3:50
